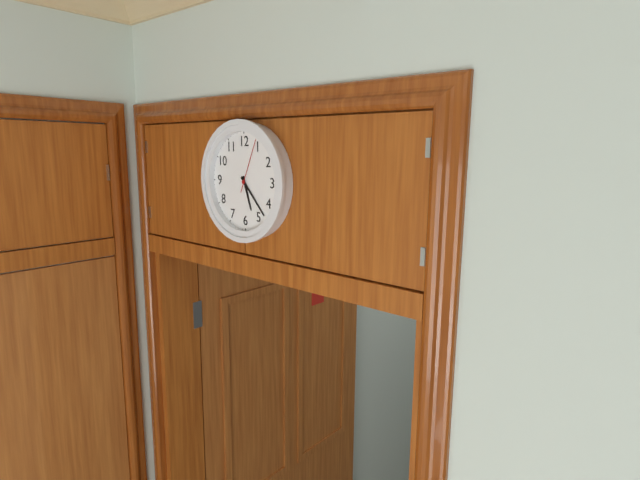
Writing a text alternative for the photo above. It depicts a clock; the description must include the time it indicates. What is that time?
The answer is 5:23:04
